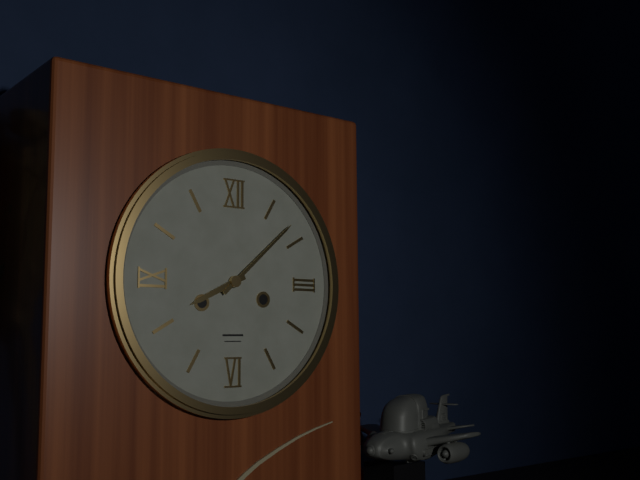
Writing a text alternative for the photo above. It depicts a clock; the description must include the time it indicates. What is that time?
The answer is 8:08
